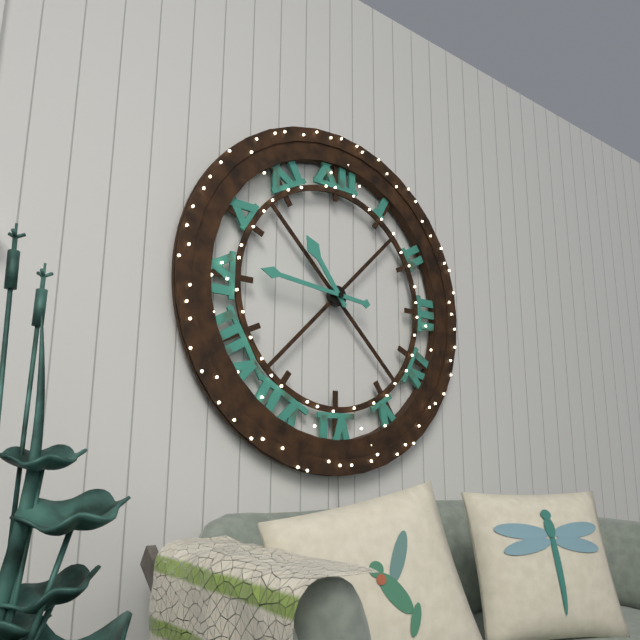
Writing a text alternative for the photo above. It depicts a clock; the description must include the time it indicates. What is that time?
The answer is 10:46
